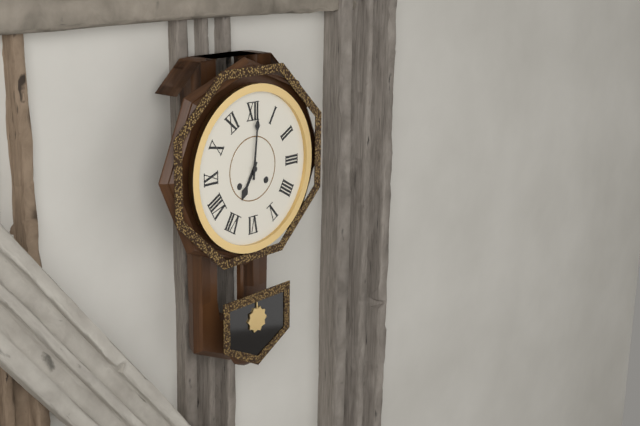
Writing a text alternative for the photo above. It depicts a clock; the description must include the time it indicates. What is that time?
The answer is 7:01
